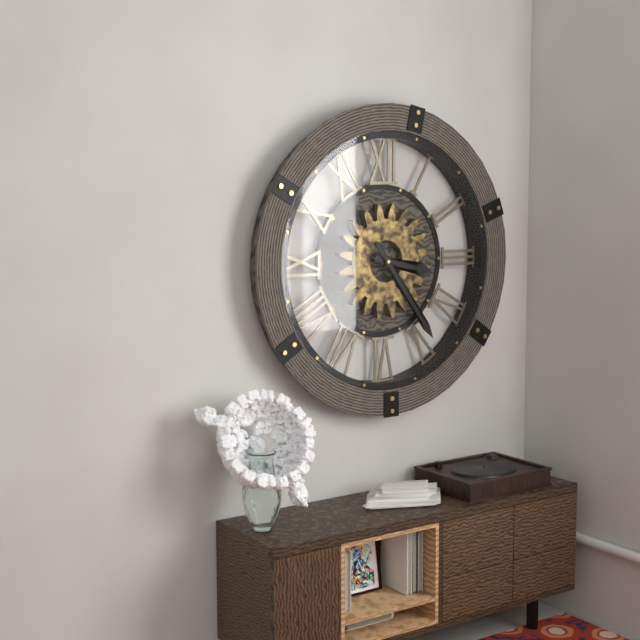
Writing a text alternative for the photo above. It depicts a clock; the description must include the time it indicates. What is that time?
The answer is 3:24
